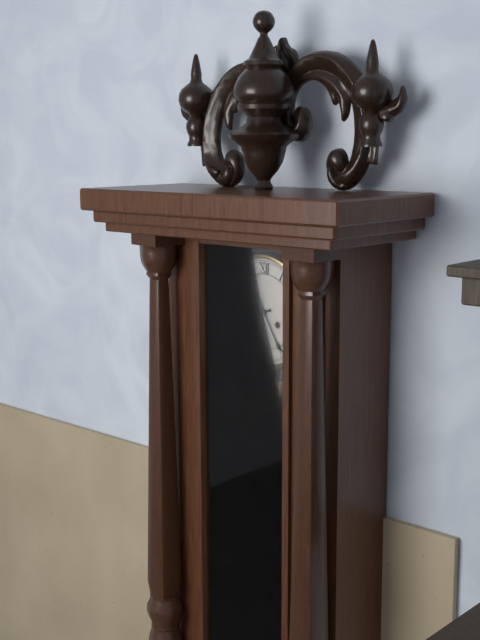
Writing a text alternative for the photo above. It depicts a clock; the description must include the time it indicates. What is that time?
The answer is 8:25
